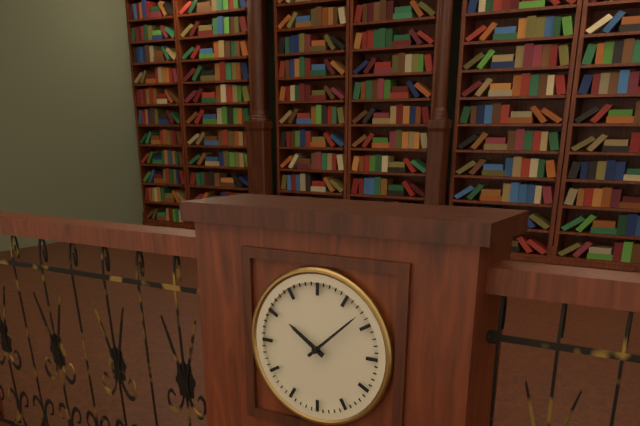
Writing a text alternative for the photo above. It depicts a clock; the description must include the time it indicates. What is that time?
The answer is 10:08
